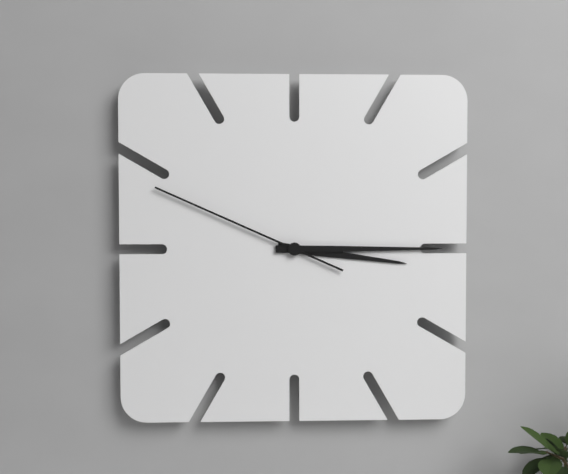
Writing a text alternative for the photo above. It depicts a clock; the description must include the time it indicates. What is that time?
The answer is 3:15:49
